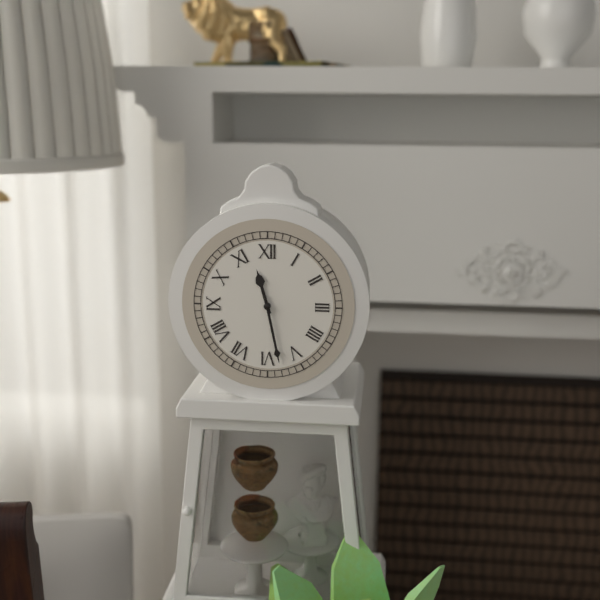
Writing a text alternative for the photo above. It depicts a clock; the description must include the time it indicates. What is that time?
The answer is 11:28
